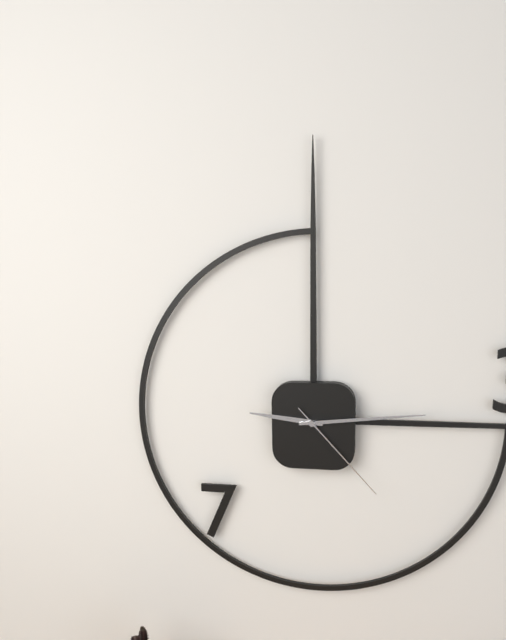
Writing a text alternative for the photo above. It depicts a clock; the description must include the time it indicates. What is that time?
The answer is 9:14:23
